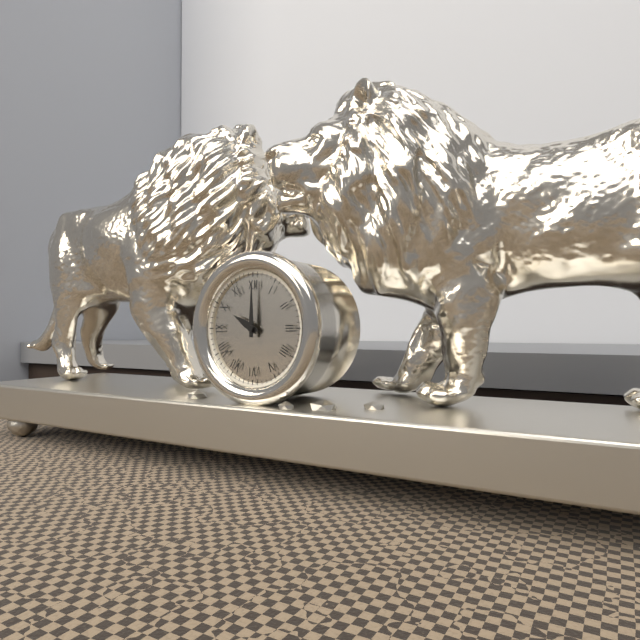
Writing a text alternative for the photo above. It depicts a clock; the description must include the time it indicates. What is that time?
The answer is 10:00
